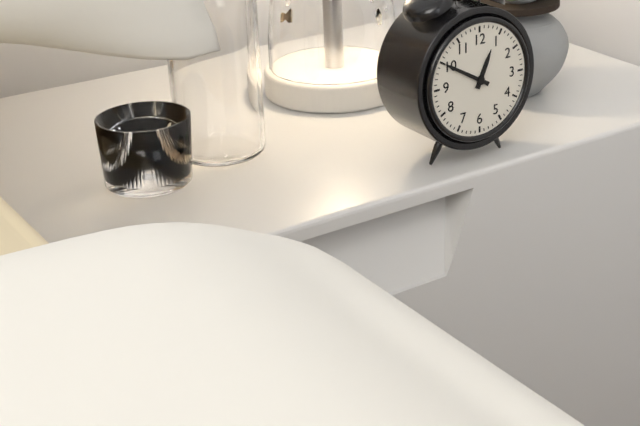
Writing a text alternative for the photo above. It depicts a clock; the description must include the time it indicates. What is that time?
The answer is 12:50
